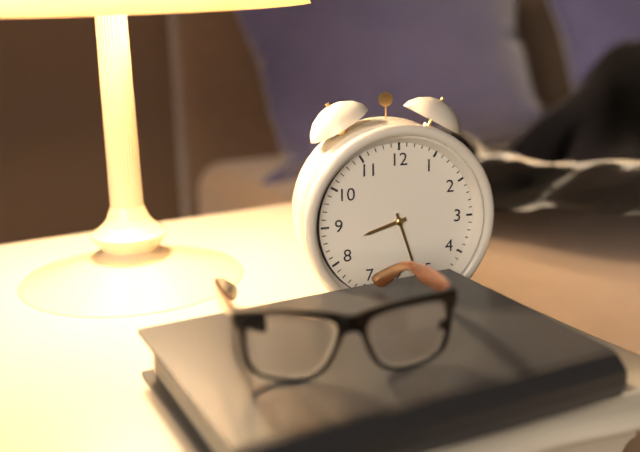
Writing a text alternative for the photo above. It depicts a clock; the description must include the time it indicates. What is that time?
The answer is 8:27
